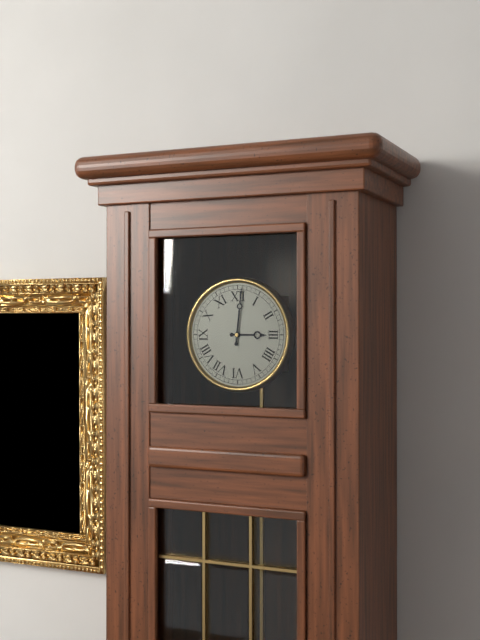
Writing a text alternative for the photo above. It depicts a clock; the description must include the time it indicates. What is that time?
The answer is 3:01
